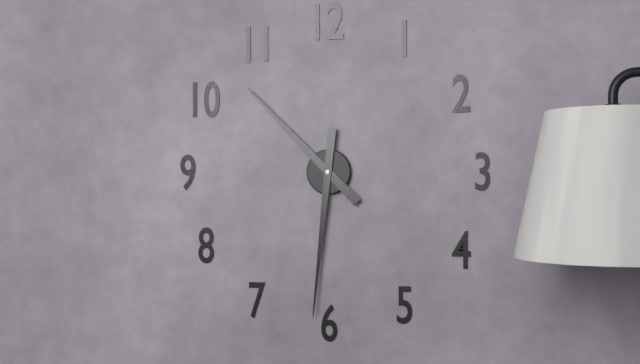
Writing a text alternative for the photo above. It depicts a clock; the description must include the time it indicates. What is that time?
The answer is 10:31
